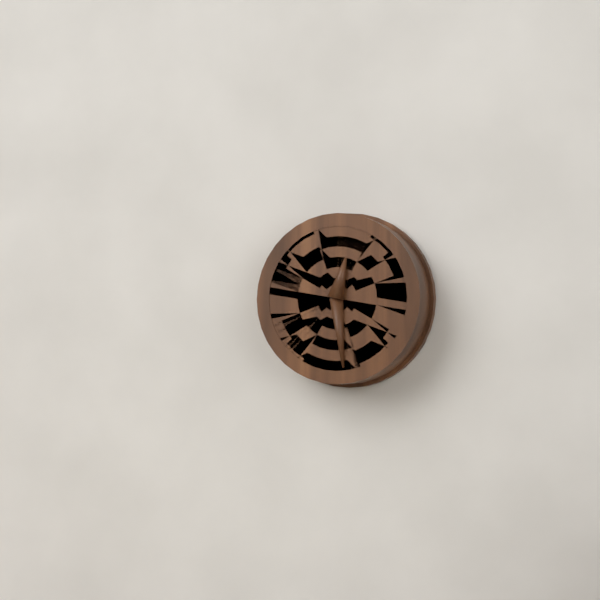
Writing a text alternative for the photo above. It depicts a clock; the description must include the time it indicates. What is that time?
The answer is 12:29
